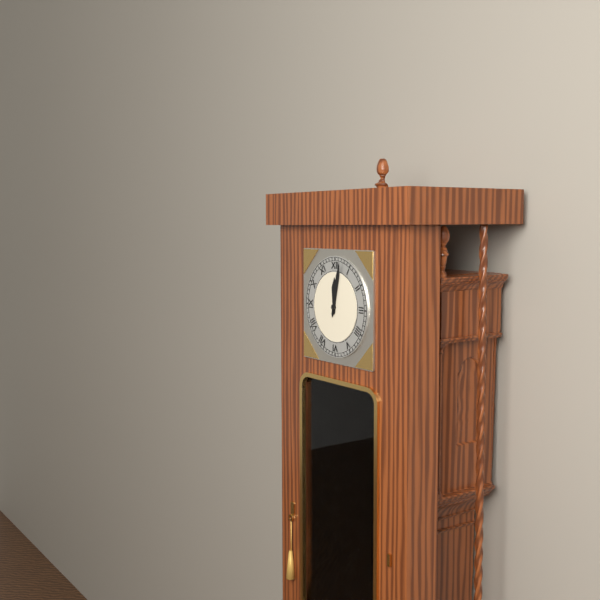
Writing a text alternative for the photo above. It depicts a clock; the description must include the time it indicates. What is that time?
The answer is 12:02
